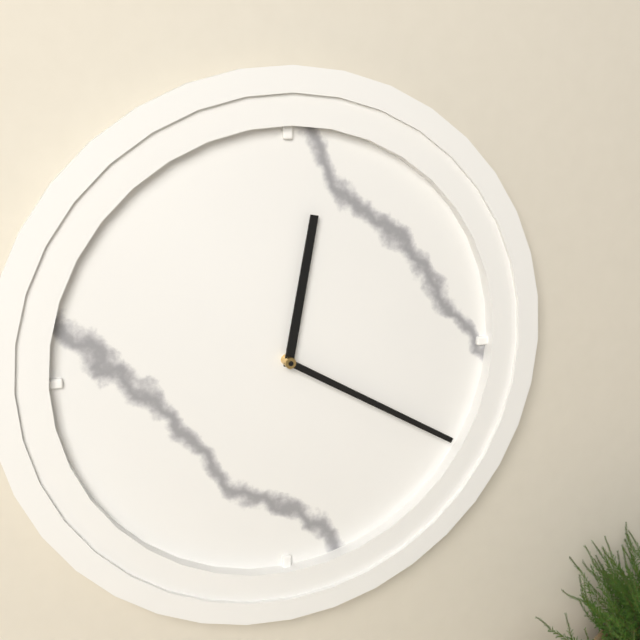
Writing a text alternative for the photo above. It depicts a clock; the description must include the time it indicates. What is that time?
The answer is 12:20
